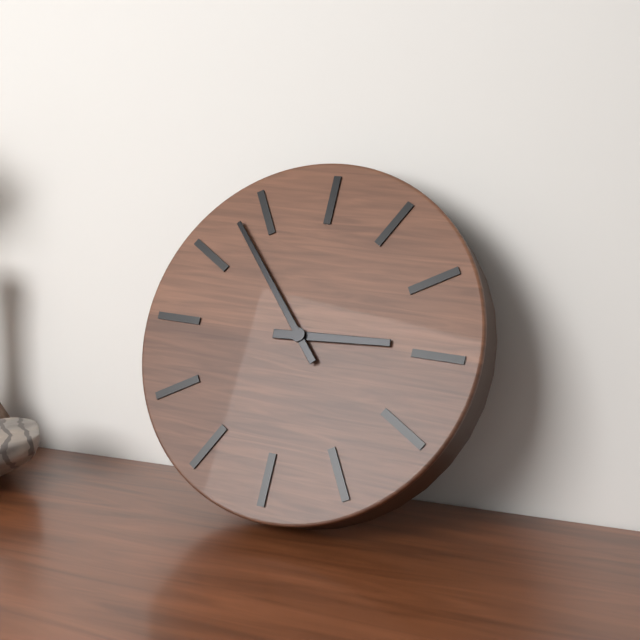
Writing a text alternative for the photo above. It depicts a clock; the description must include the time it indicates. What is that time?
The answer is 2:53
